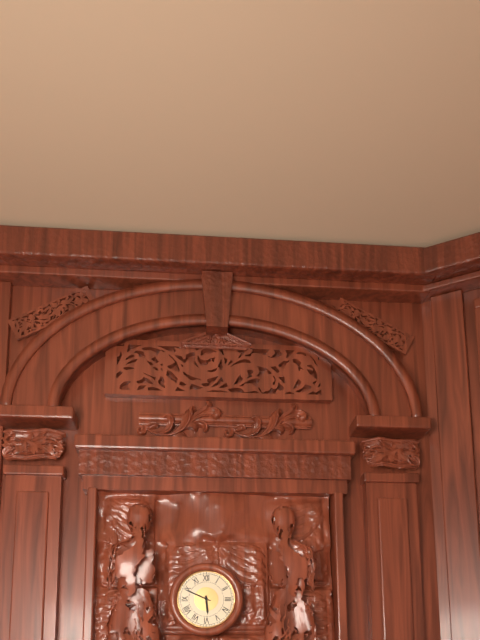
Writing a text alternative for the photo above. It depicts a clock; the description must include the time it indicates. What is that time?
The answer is 5:49
